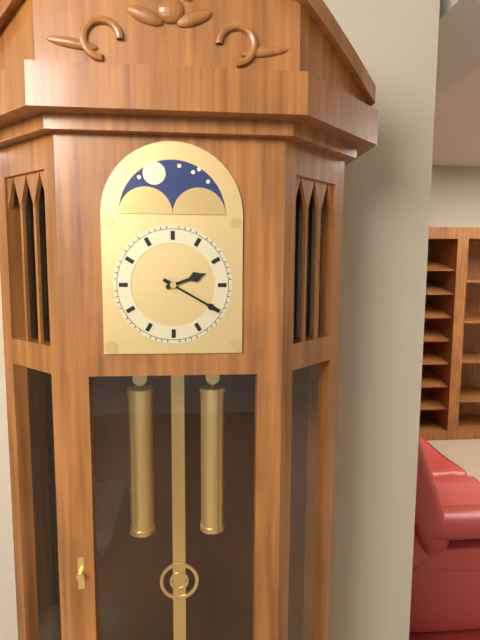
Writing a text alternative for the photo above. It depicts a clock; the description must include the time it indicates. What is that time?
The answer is 2:20
